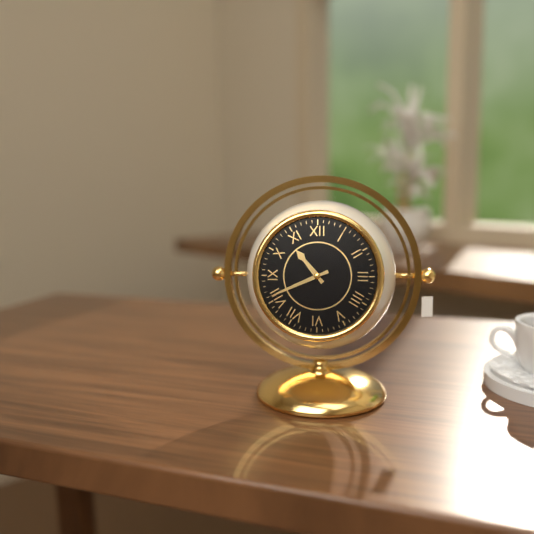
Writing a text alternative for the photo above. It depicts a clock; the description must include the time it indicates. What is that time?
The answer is 10:41
